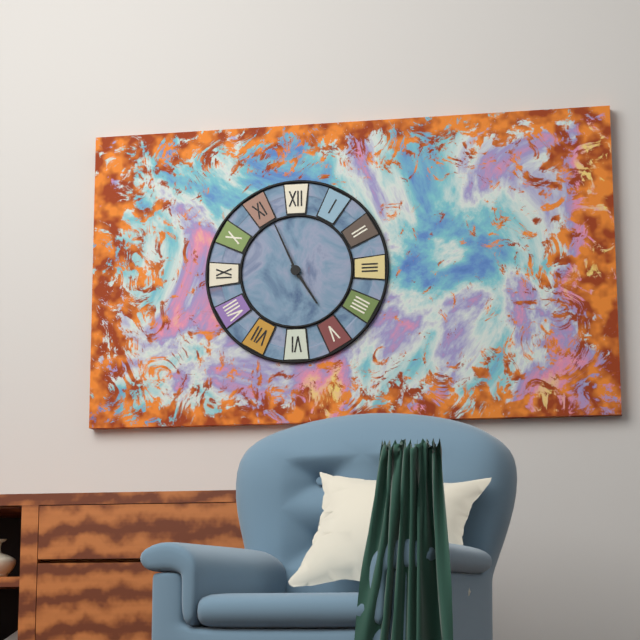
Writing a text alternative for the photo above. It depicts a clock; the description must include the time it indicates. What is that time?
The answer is 4:56
